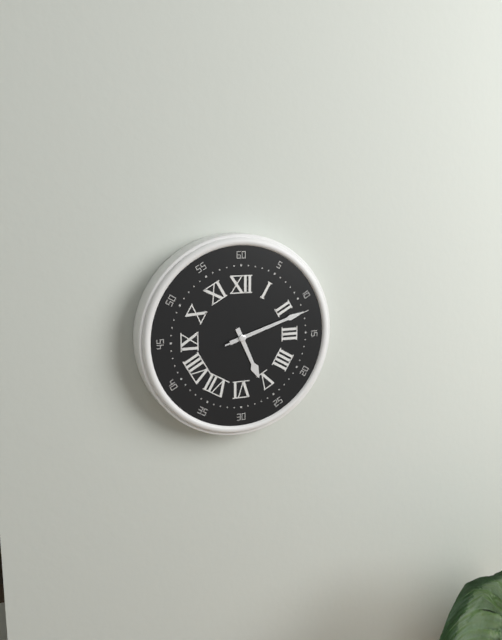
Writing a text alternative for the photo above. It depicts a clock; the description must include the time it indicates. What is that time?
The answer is 5:12:12
